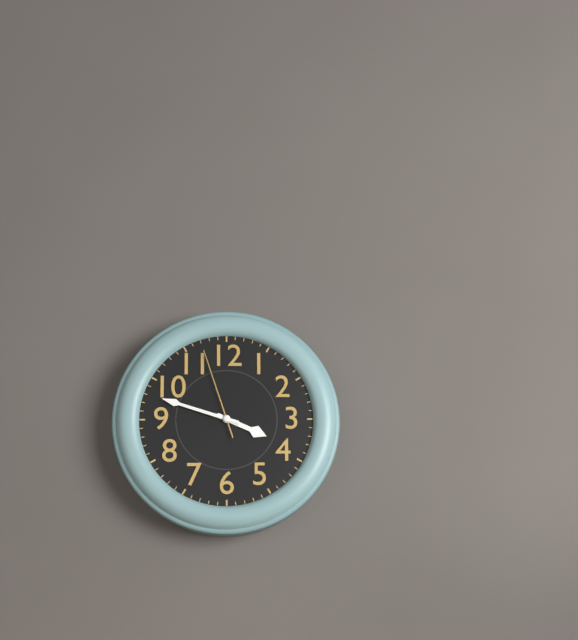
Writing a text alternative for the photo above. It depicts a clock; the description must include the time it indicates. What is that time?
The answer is 3:48:57
